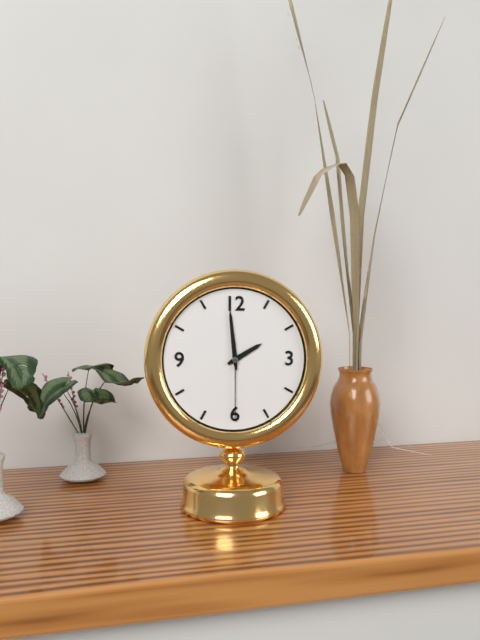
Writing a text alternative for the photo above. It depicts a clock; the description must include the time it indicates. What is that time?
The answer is 1:59:30
